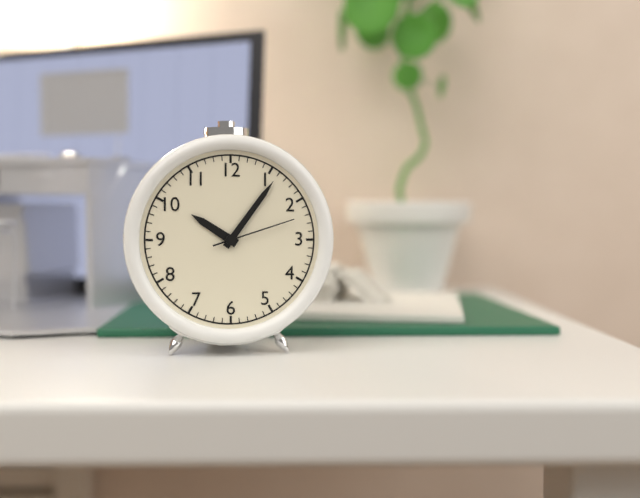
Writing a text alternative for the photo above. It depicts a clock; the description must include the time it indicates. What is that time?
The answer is 10:06:12
